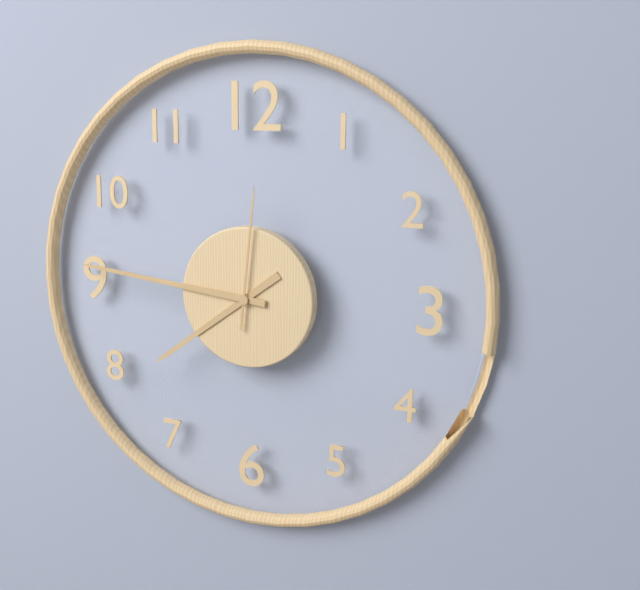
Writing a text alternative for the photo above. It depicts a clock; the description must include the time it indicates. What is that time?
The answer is 7:46:01
